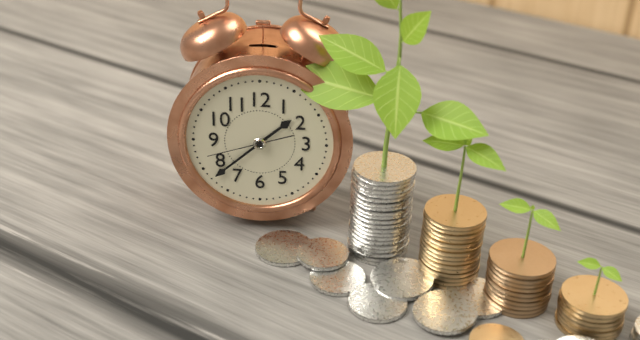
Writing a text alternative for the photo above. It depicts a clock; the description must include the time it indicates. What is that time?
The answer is 1:38:42
